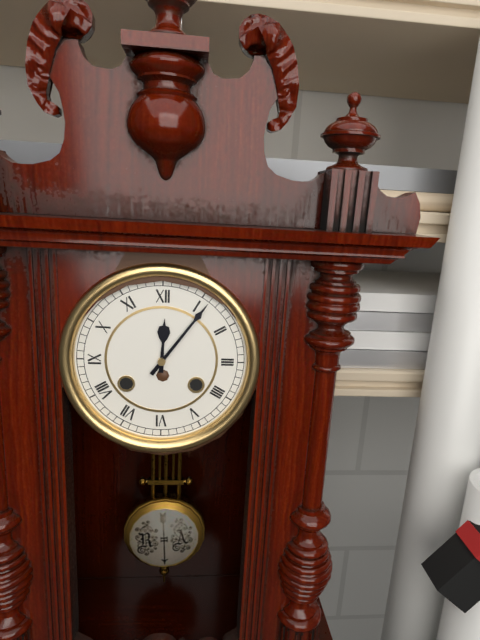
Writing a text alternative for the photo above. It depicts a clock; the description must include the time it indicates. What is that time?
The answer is 12:06
